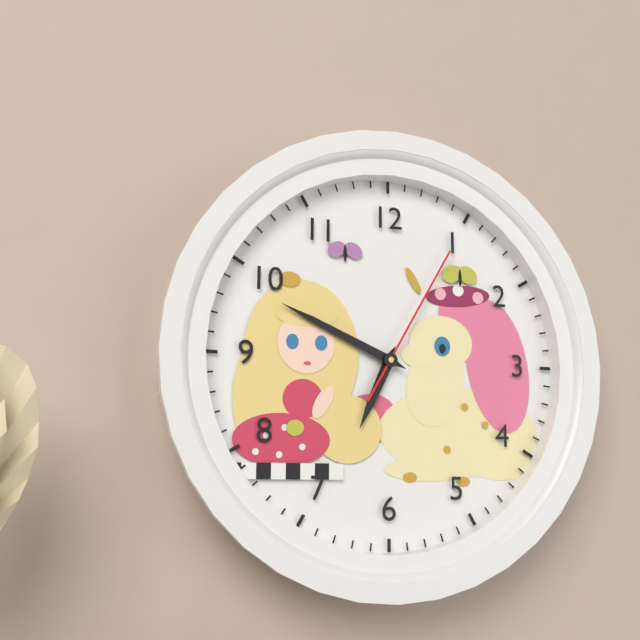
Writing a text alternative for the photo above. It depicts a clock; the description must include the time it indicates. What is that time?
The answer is 6:49:05
